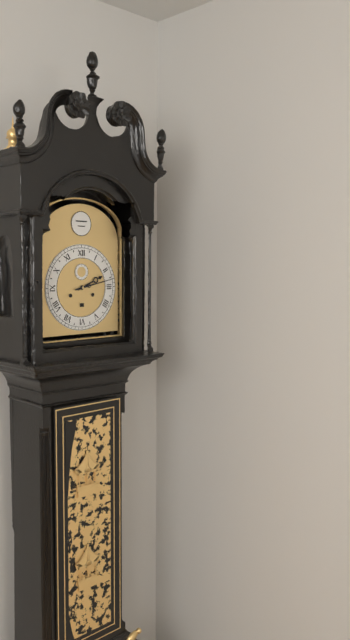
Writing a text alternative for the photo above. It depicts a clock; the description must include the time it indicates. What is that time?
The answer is 2:13
